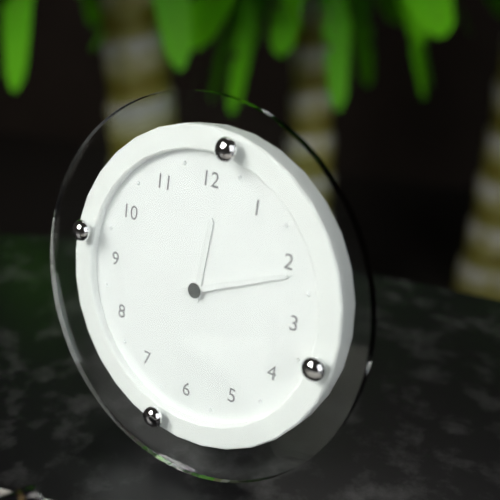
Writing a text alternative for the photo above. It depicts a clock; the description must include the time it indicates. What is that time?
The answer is 12:11
